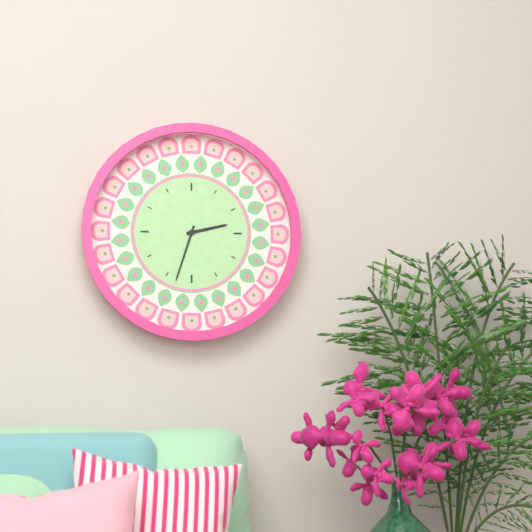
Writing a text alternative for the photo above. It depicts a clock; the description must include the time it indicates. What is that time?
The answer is 2:33
